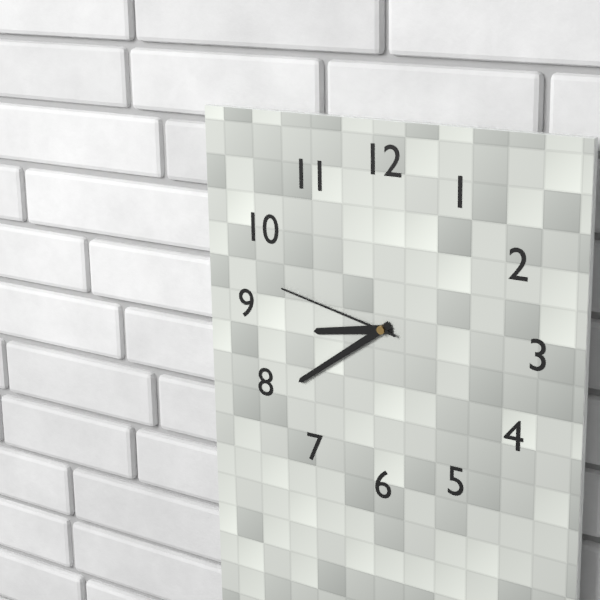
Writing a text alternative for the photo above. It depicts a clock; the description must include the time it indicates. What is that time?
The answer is 8:39:47
